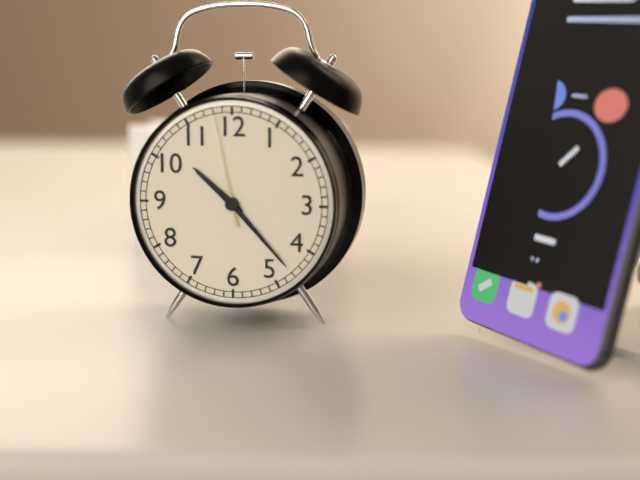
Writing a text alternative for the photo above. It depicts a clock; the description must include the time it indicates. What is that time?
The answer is 10:23:58
